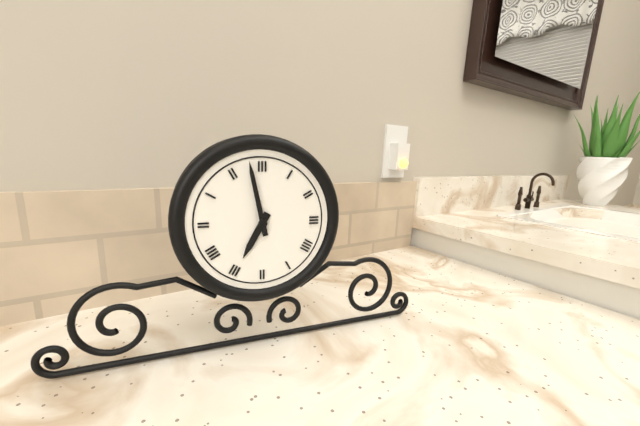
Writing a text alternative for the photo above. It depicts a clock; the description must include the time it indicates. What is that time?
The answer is 6:58
